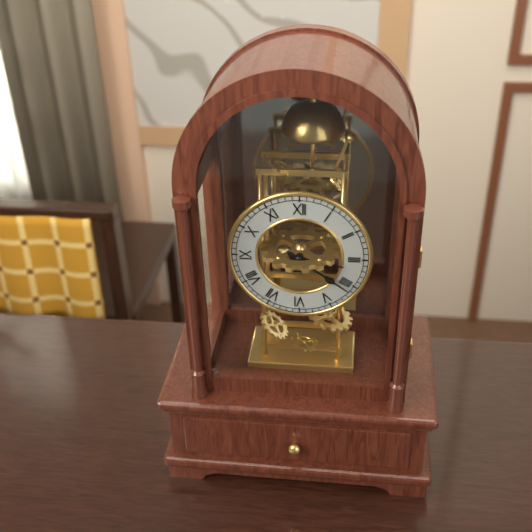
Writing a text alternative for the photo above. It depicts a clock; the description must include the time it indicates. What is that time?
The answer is 3:21
